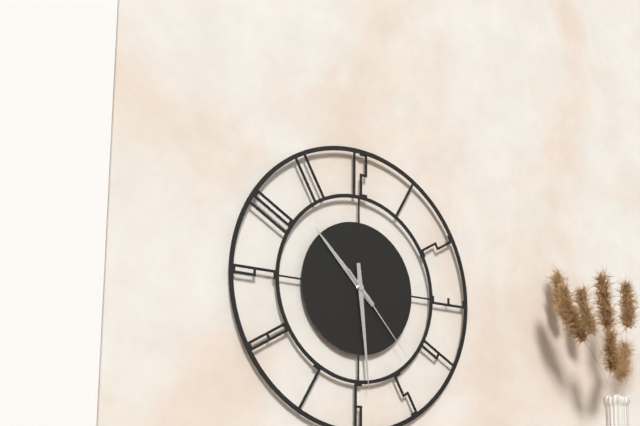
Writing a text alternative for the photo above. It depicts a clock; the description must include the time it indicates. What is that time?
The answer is 10:29:23
